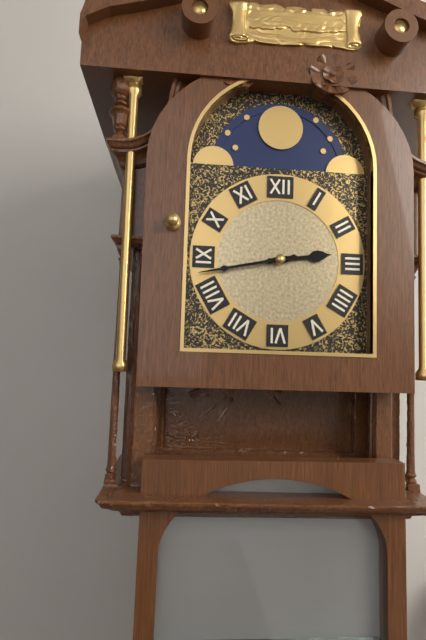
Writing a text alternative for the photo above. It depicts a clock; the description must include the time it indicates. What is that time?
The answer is 2:43
